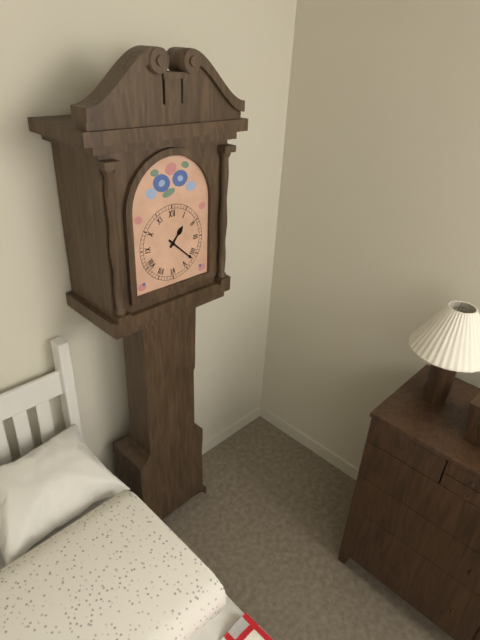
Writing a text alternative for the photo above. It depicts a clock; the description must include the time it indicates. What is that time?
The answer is 1:22
